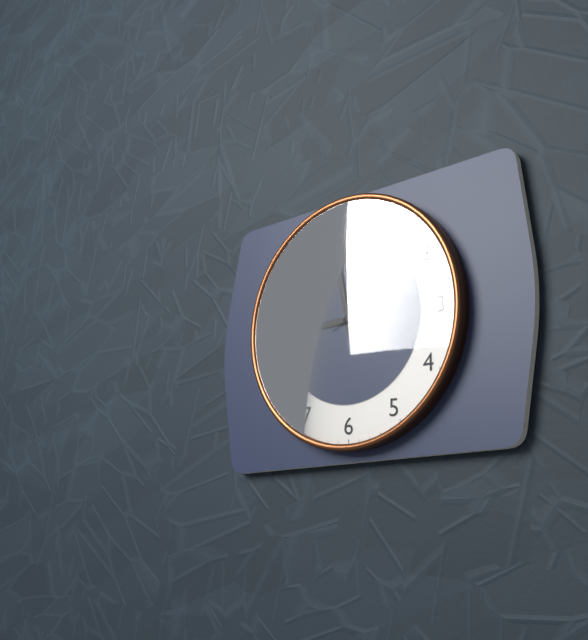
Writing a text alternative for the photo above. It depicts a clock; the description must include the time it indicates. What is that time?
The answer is 8:58:12
